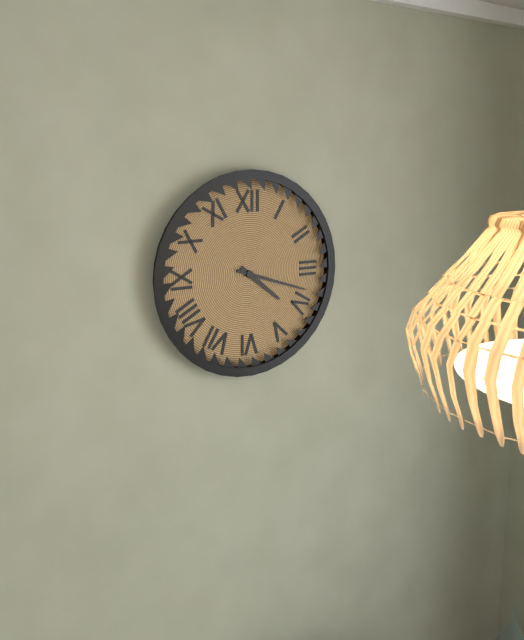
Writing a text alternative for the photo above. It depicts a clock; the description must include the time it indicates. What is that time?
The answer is 4:18
